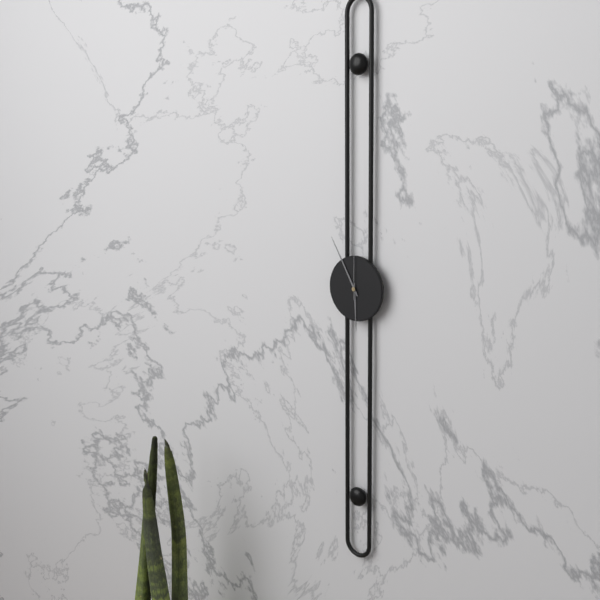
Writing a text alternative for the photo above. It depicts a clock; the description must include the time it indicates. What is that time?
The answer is 5:55
